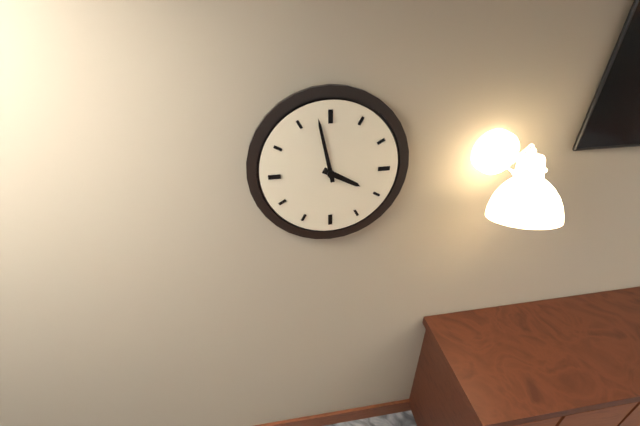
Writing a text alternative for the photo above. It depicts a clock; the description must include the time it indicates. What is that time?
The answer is 3:58
